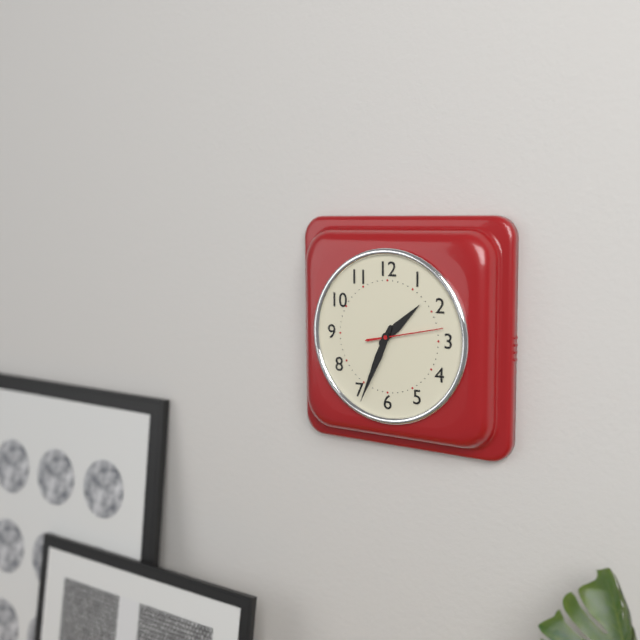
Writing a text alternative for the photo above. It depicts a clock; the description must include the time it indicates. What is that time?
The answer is 1:34:13
